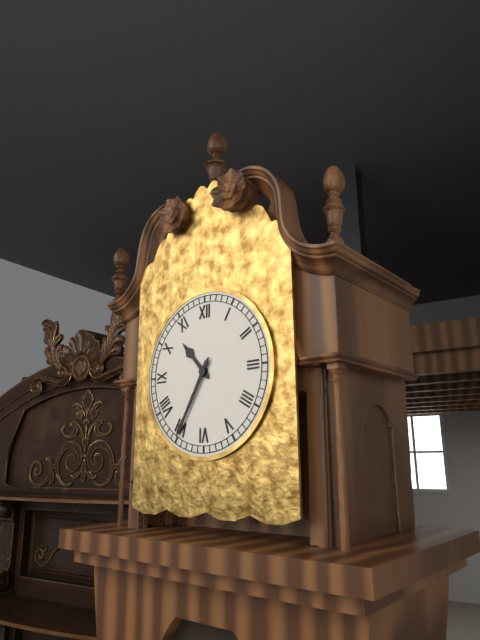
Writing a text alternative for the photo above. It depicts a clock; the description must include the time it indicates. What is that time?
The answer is 10:35
